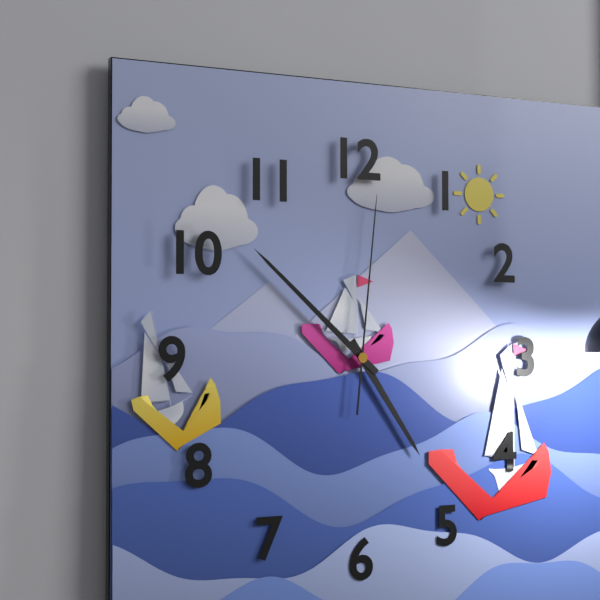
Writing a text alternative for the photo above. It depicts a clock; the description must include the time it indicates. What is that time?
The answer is 4:52:01
